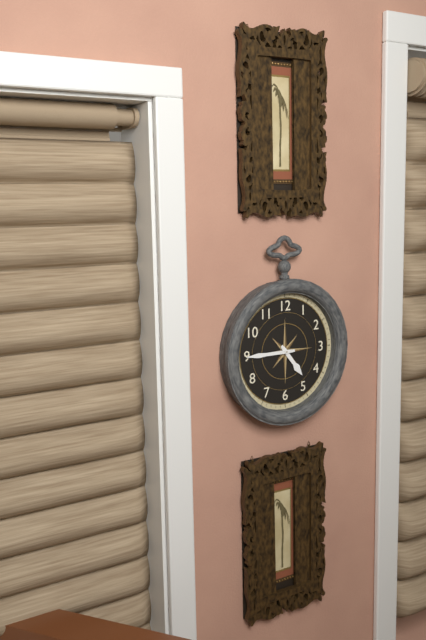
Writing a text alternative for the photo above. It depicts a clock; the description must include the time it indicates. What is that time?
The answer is 4:45
